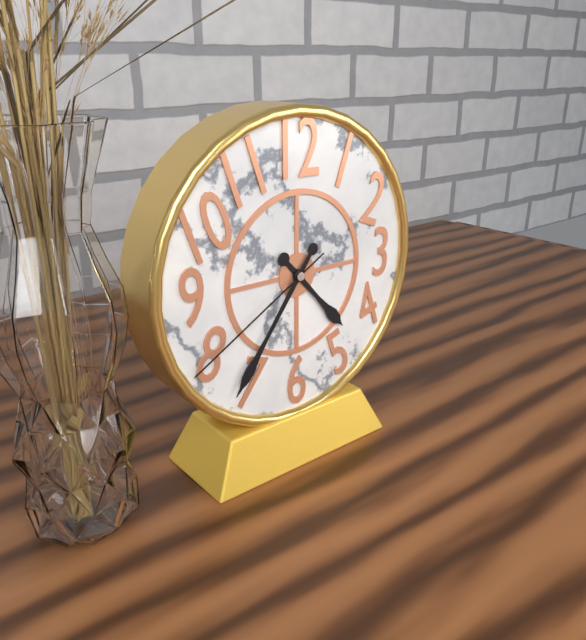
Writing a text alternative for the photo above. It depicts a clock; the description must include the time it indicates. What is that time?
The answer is 4:36:40
